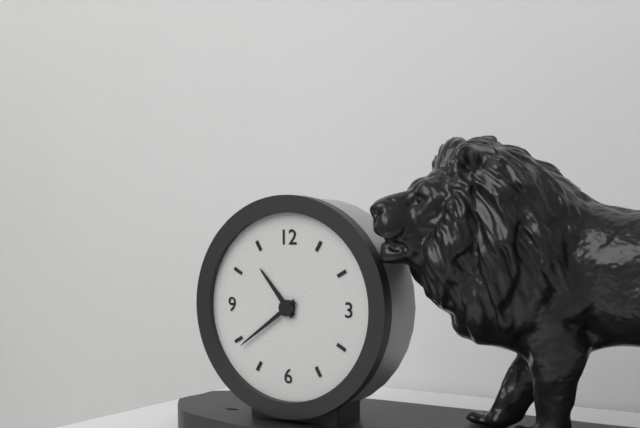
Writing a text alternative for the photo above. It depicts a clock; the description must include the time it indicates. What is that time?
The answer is 10:39
